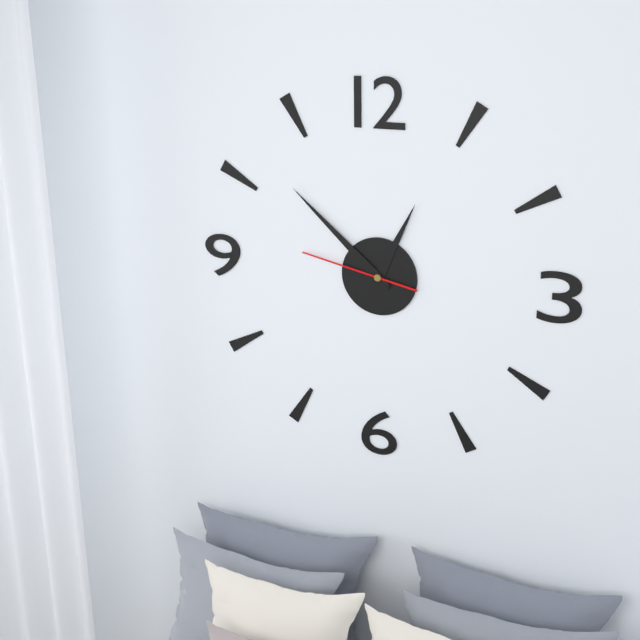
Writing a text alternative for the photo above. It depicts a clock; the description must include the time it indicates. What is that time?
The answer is 12:52:47
